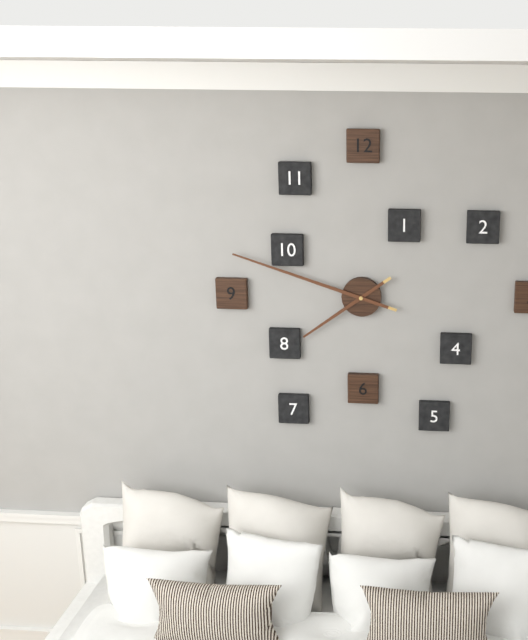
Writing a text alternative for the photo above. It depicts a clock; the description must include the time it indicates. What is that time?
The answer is 7:48
